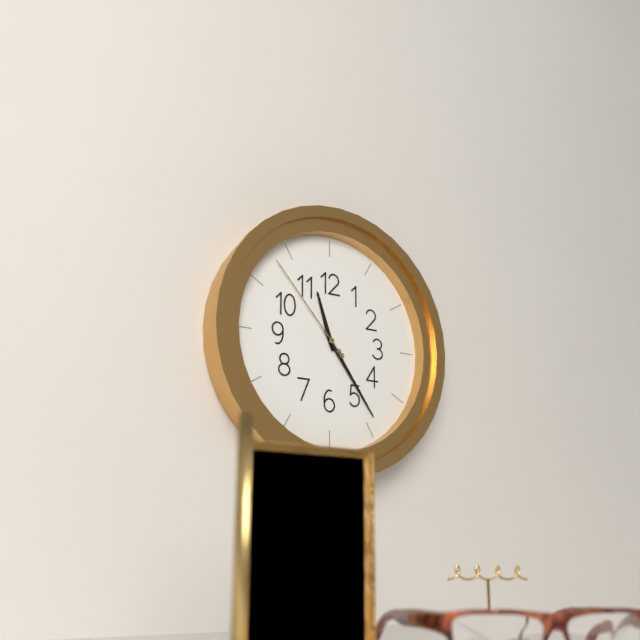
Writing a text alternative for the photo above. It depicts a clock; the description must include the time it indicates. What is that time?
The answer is 11:24:53
